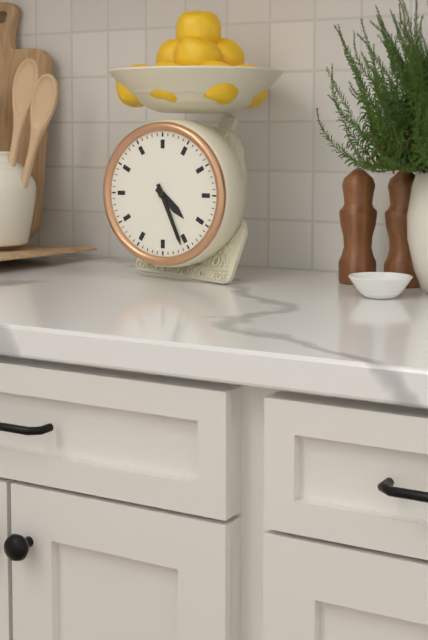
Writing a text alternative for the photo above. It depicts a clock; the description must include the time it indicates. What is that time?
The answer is 4:26
